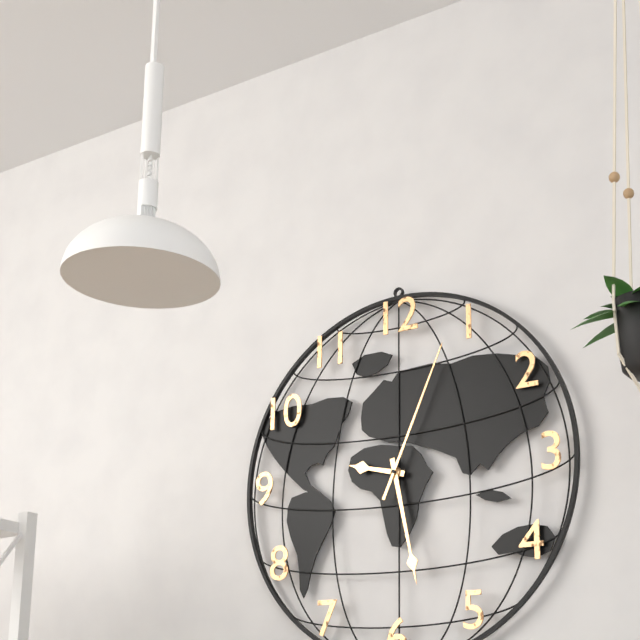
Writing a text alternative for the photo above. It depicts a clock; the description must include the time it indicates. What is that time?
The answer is 9:28:04
